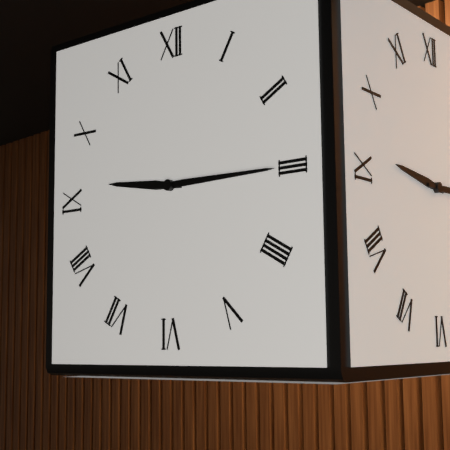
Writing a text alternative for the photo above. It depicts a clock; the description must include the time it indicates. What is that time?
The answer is 9:15
